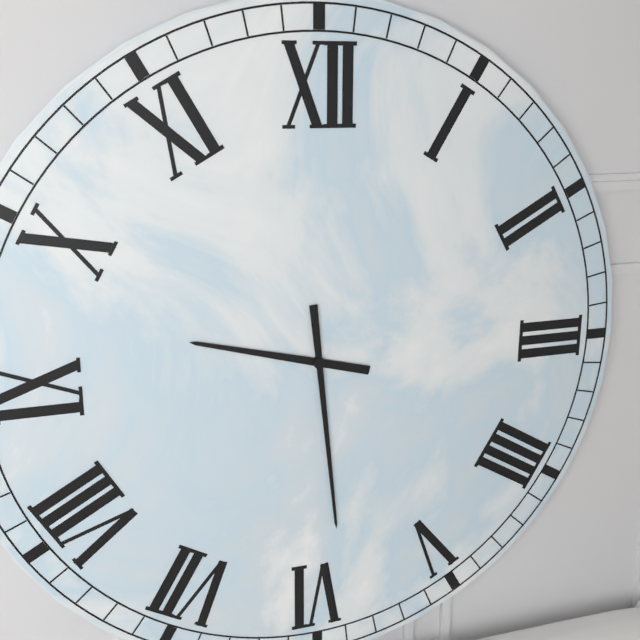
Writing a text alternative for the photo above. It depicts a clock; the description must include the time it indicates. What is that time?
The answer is 9:29
